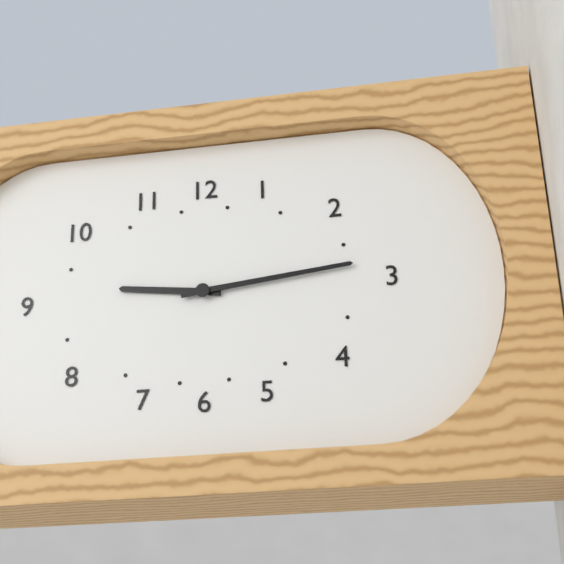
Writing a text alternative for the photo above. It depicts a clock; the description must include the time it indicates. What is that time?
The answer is 9:14
